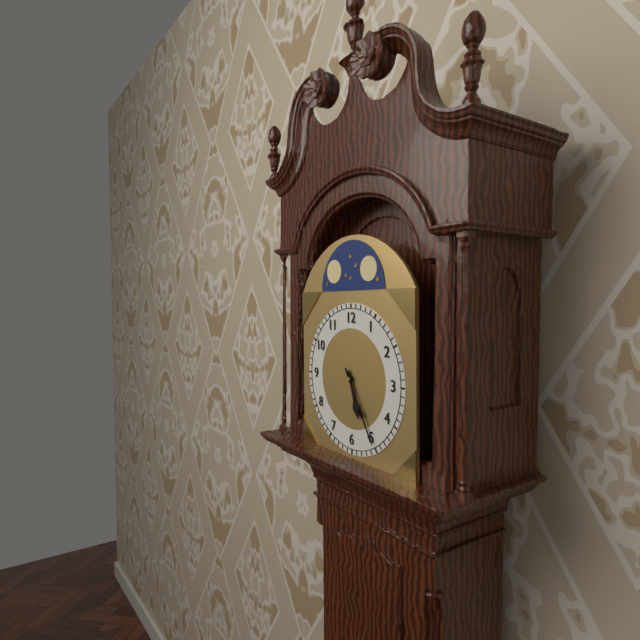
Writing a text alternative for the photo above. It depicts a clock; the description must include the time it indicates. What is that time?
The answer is 5:25
